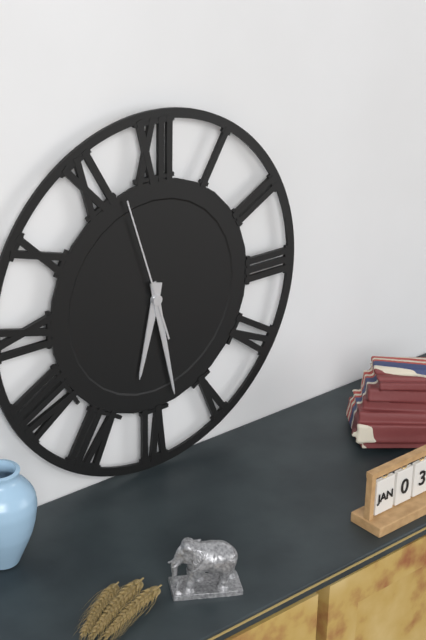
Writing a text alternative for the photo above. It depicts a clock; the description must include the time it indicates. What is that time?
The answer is 6:28:57
